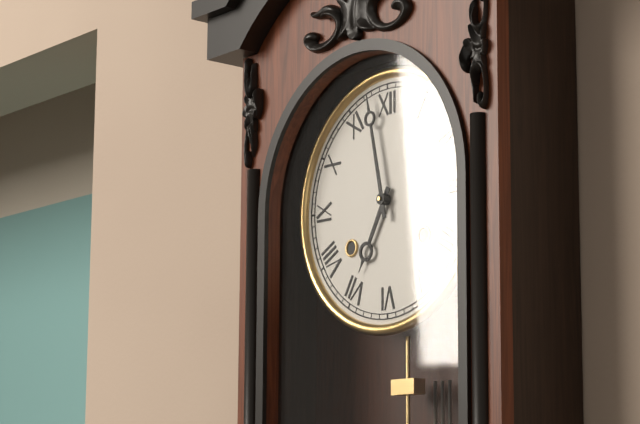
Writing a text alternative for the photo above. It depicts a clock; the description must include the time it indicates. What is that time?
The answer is 6:58
